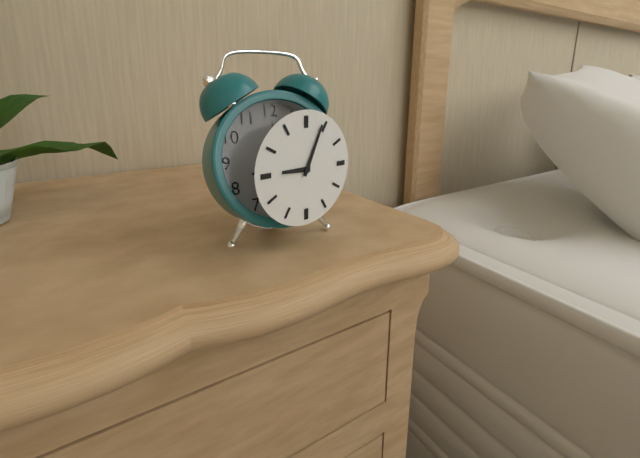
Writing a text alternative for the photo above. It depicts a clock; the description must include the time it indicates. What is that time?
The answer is 9:04
